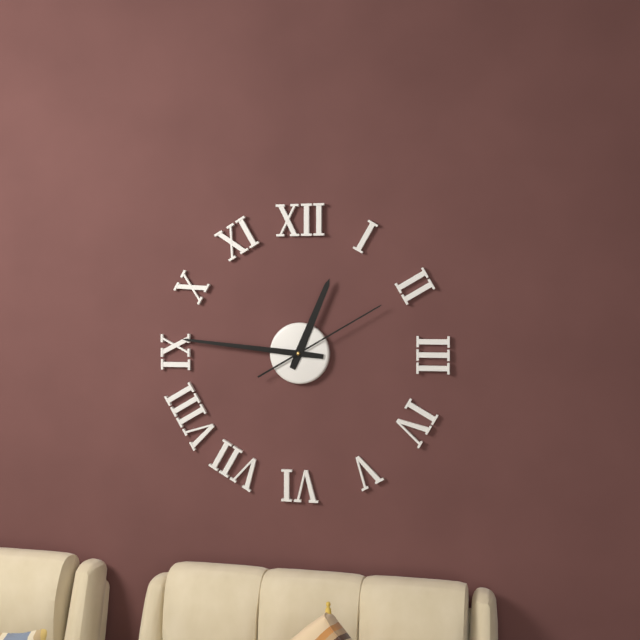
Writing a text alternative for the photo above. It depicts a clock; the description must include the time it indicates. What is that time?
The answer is 12:46:10
